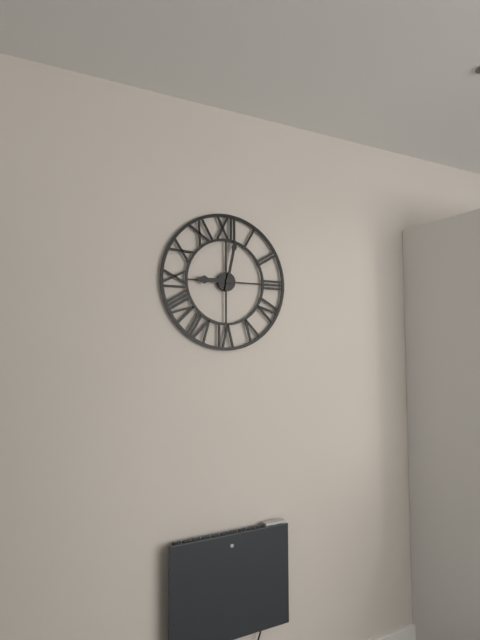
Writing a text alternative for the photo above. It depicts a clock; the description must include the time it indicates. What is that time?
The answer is 9:02
